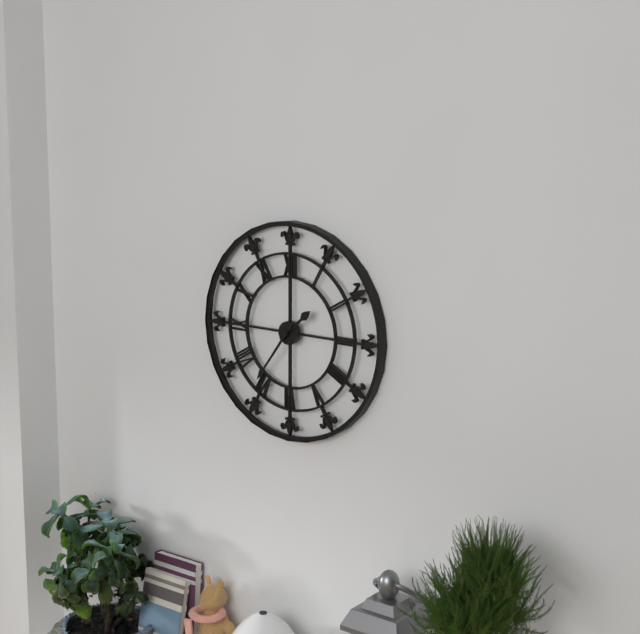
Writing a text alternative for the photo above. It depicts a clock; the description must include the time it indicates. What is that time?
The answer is 1:36
